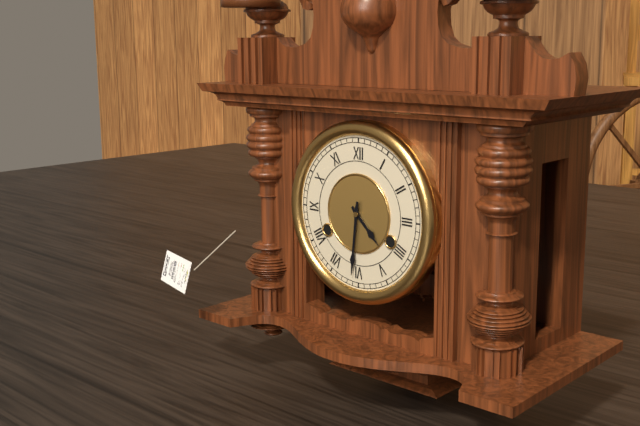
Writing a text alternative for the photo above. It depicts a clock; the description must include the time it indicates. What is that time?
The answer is 4:31
